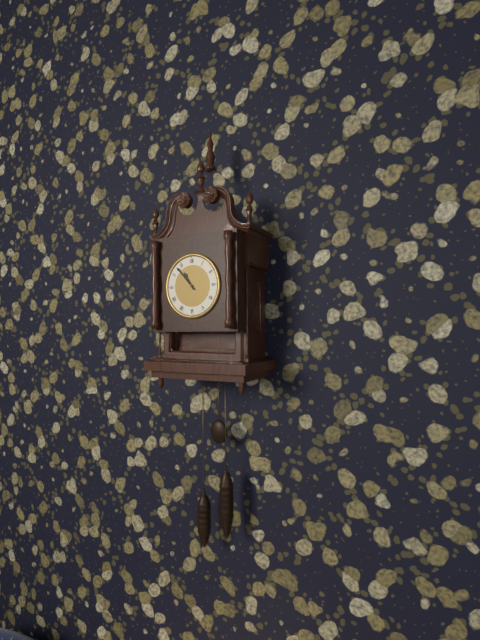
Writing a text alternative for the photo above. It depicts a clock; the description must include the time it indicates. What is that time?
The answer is 10:53
